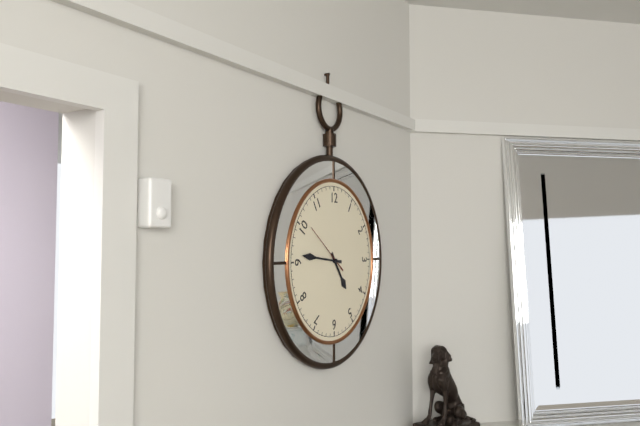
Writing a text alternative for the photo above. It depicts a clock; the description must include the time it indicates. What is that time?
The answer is 4:46:51
